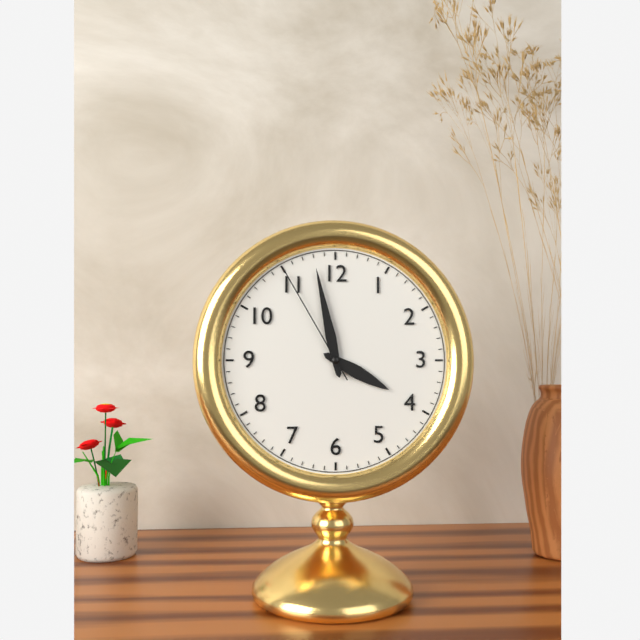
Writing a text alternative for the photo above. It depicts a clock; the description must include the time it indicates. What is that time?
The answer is 3:58:55
